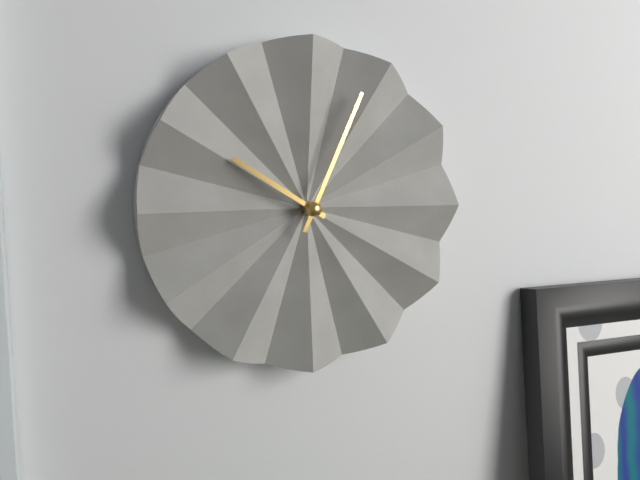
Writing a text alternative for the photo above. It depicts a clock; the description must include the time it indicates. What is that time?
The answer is 10:04
